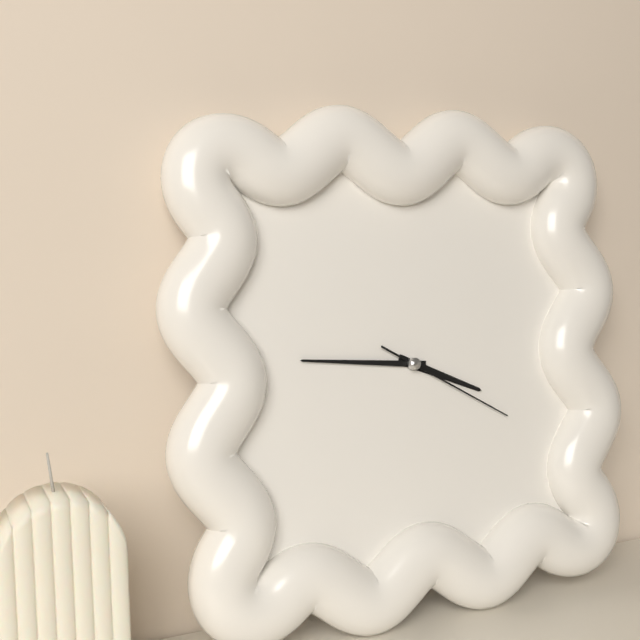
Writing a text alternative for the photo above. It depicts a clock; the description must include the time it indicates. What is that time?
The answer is 3:46:20
